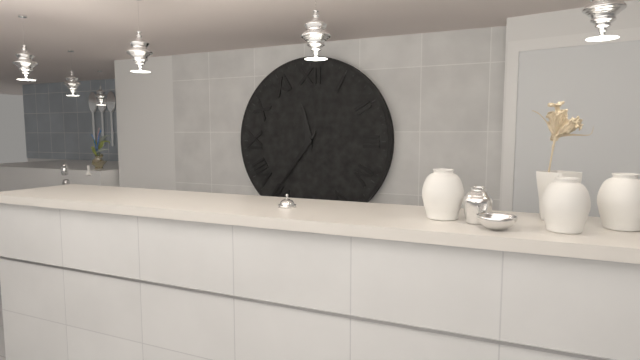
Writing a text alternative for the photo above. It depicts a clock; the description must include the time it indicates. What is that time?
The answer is 11:36
